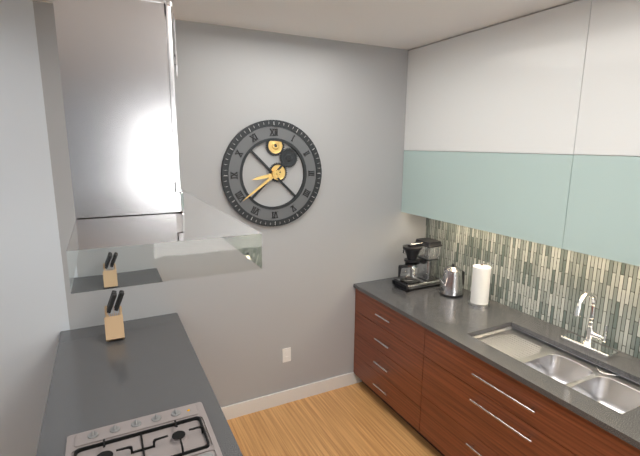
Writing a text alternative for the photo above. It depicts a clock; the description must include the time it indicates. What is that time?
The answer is 8:39
